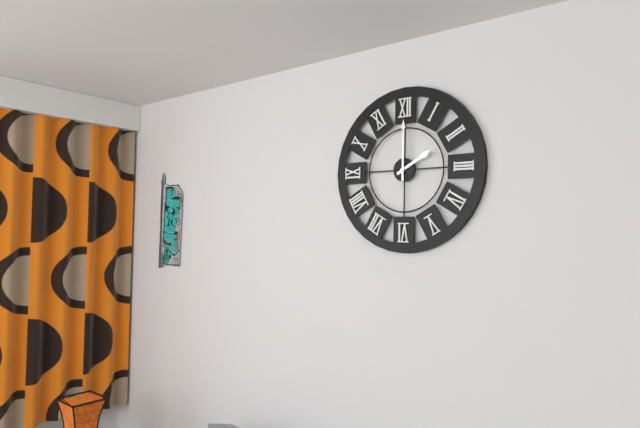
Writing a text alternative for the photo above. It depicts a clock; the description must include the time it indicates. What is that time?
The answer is 2:00
